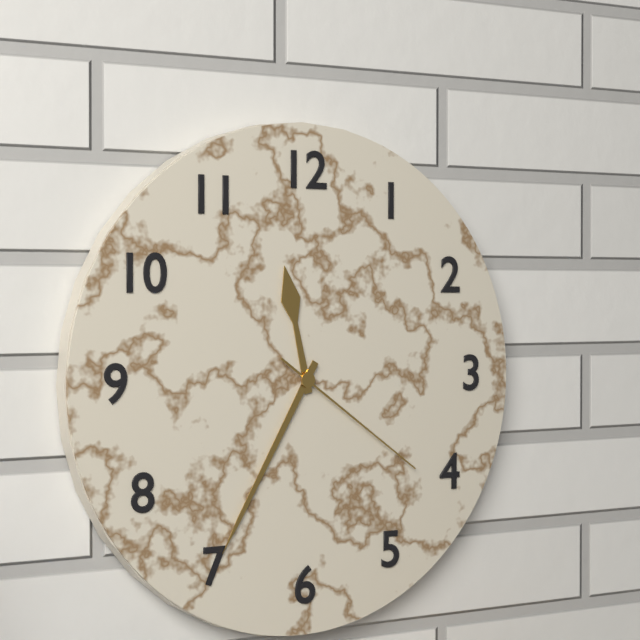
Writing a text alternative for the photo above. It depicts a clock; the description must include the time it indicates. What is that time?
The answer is 11:35:21
